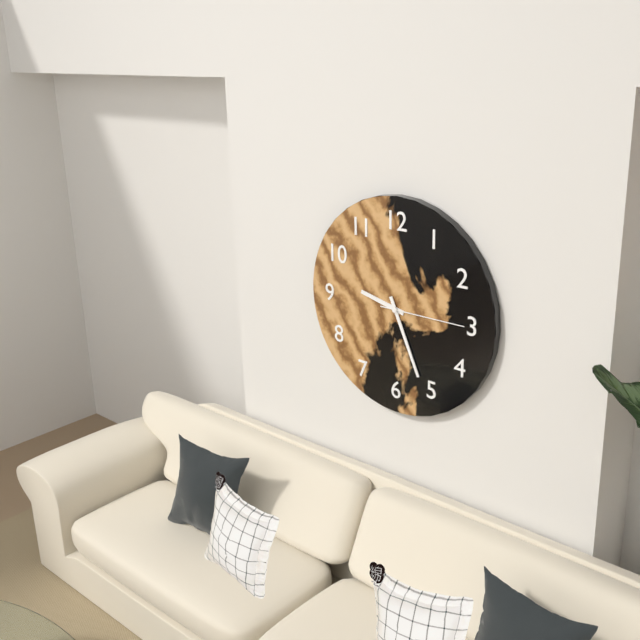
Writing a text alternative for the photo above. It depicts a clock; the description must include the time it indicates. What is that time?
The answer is 9:26:15
